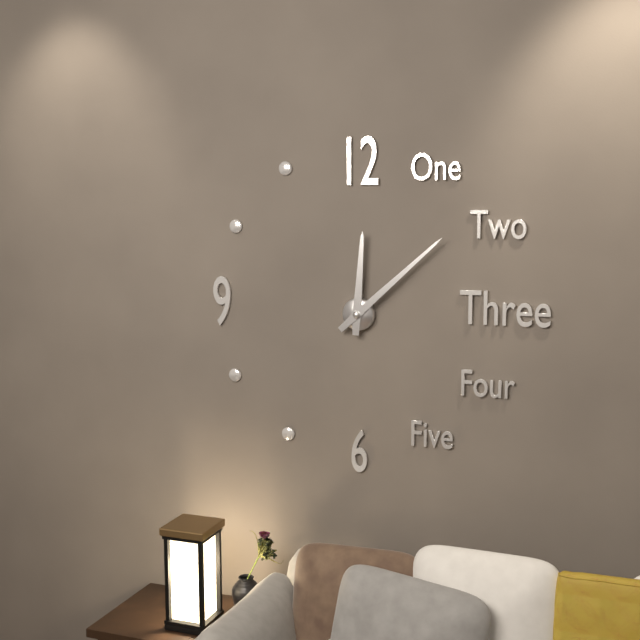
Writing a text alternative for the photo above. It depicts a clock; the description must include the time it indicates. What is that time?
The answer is 12:08
